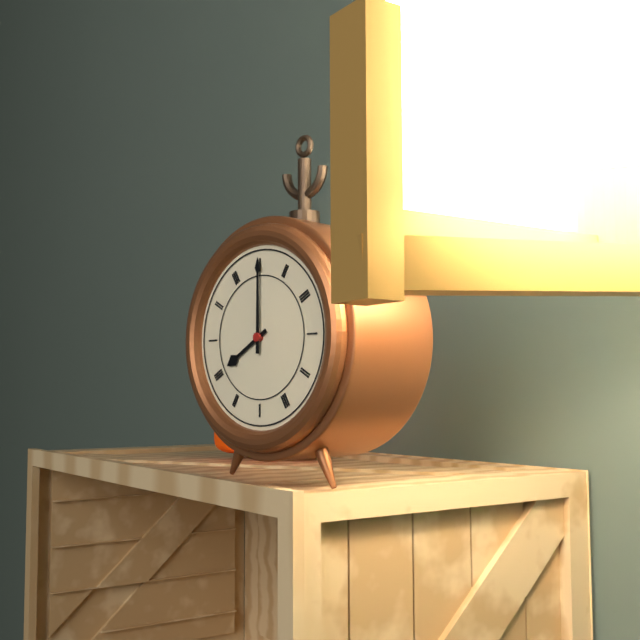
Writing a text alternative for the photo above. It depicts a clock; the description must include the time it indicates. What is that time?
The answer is 8:00
